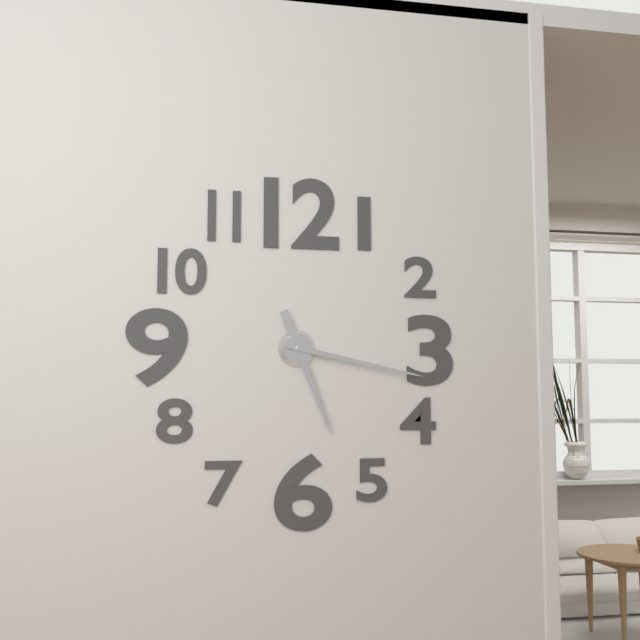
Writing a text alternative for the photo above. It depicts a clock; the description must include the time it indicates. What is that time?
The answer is 5:17
